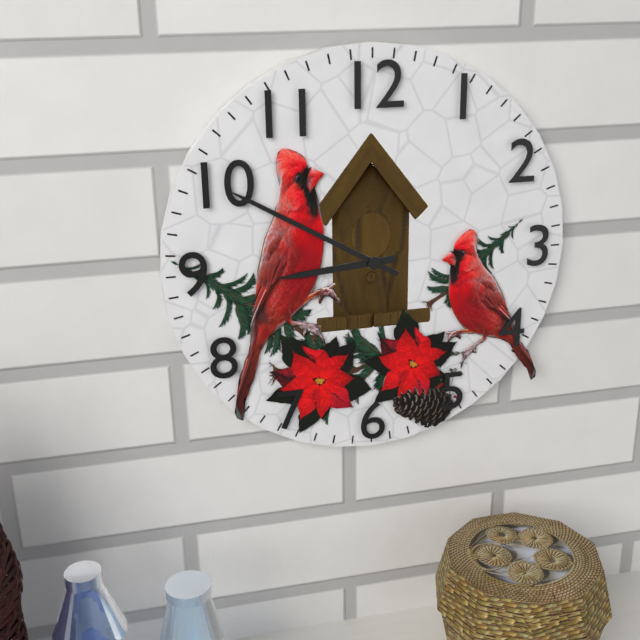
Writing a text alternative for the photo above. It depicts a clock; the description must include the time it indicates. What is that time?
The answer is 8:50
